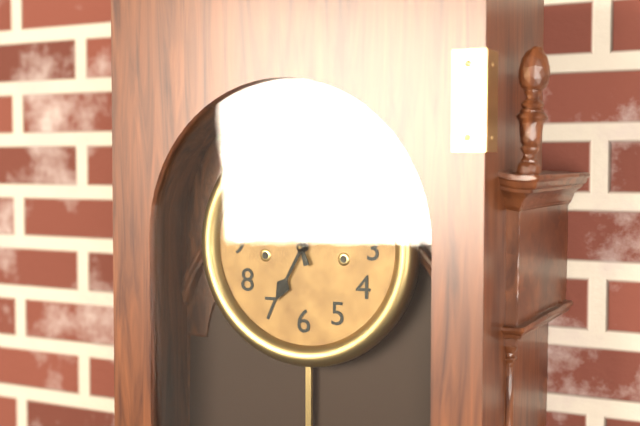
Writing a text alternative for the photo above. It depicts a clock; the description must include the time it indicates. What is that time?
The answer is 6:57
